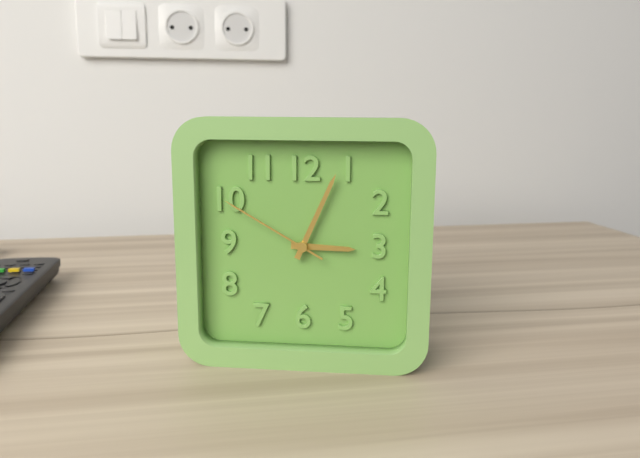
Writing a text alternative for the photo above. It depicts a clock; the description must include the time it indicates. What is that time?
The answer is 3:04:50
